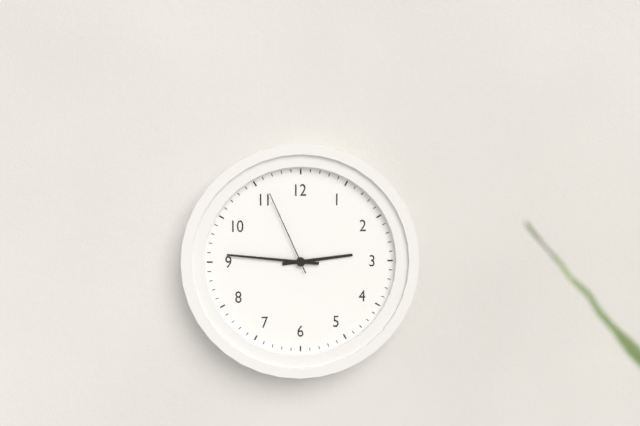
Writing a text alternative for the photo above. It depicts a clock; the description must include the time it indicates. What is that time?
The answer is 2:46:56
